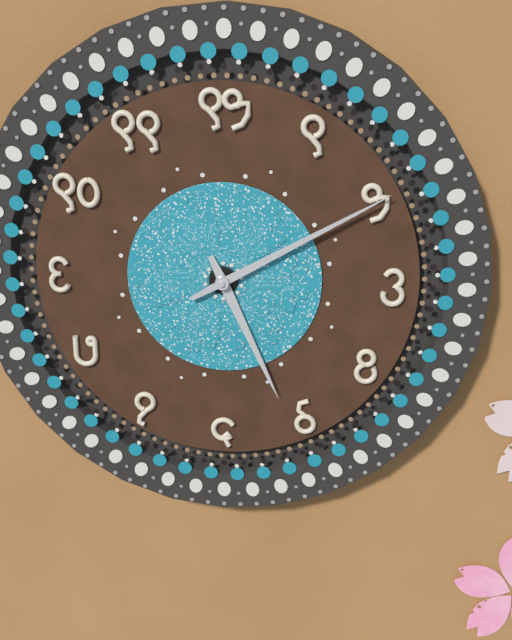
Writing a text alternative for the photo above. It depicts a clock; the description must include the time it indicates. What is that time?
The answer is 5:10
